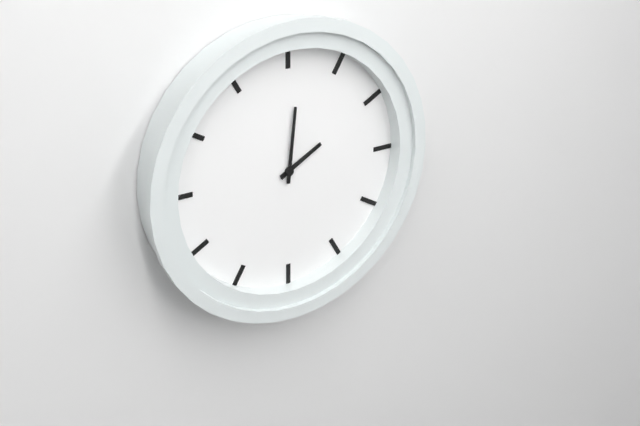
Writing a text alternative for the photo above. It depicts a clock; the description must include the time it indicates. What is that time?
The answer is 2:01
